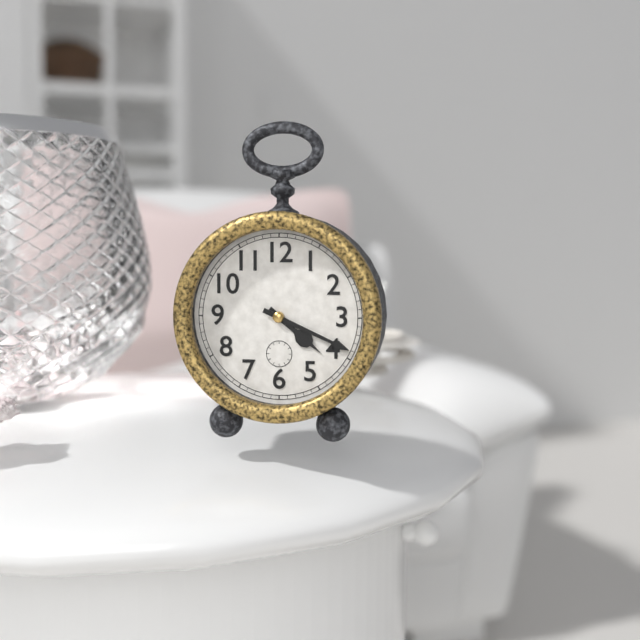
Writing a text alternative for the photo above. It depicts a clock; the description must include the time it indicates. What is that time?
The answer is 4:19
